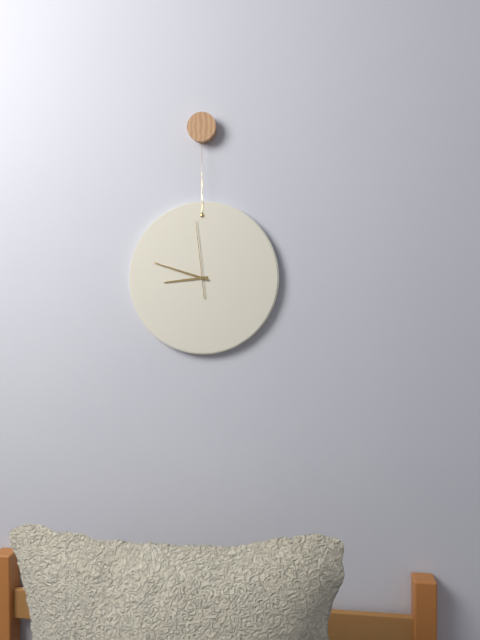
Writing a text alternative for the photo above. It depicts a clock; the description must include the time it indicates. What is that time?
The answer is 8:48:59
